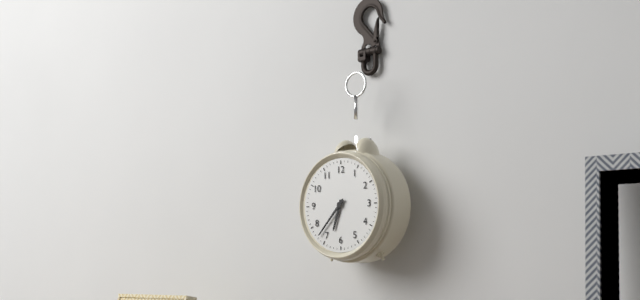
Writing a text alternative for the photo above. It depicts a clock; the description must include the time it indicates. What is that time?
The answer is 6:37
